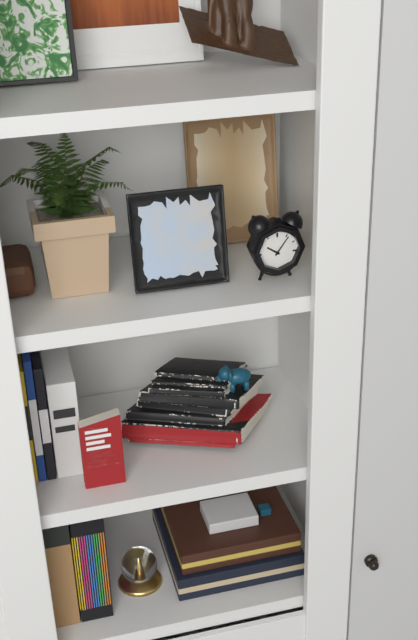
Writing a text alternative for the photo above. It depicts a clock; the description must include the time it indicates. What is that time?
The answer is 10:06
